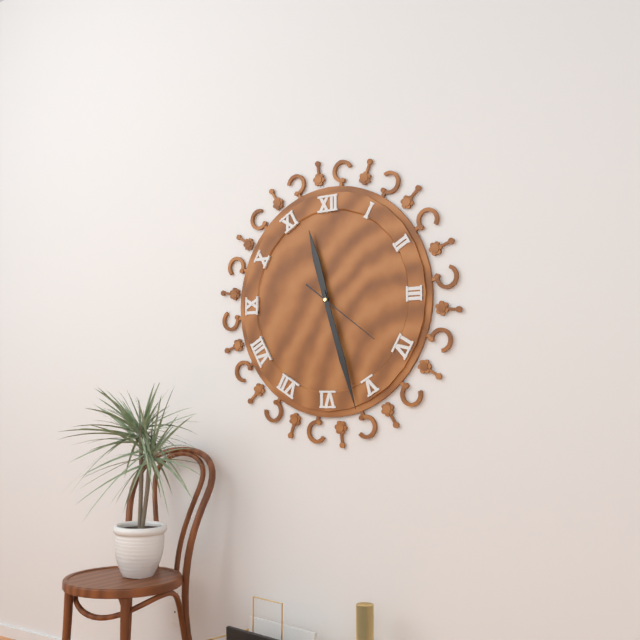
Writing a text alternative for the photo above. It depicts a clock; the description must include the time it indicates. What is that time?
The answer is 11:27:21
